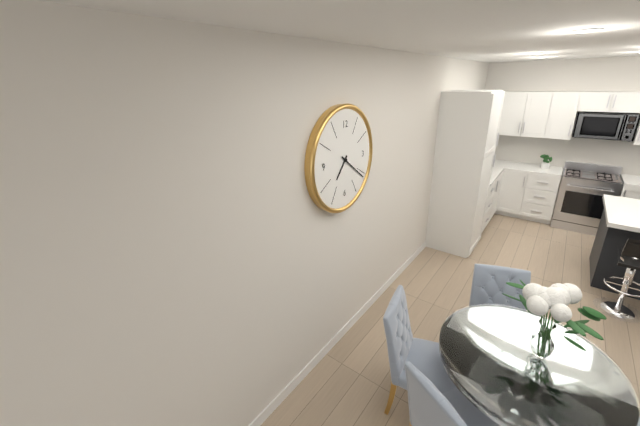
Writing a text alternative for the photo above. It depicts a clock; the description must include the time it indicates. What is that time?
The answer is 7:21
